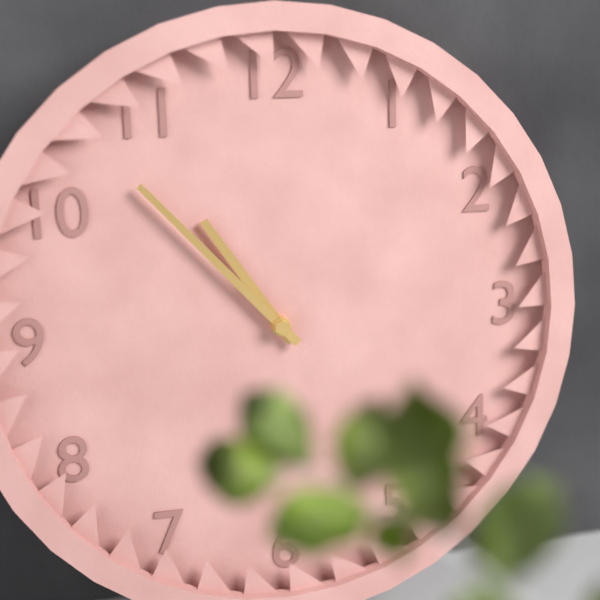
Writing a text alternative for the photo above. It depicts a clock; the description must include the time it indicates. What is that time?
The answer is 10:53
